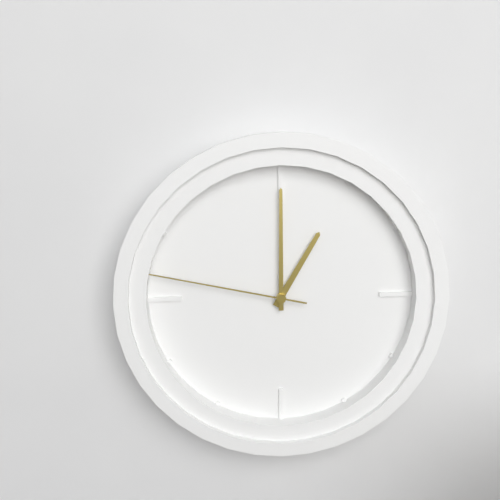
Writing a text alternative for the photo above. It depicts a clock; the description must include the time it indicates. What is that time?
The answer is 1:00:47
